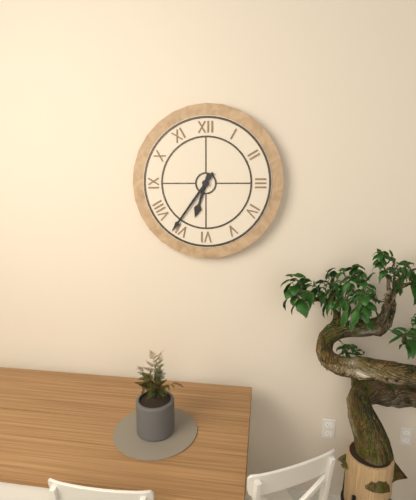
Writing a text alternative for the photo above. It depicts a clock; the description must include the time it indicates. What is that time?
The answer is 6:36
